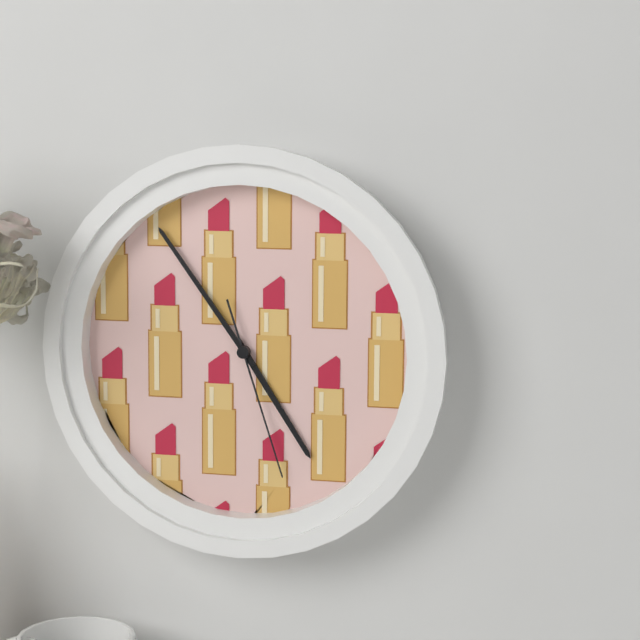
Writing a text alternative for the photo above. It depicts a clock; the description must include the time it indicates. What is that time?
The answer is 4:54:27
